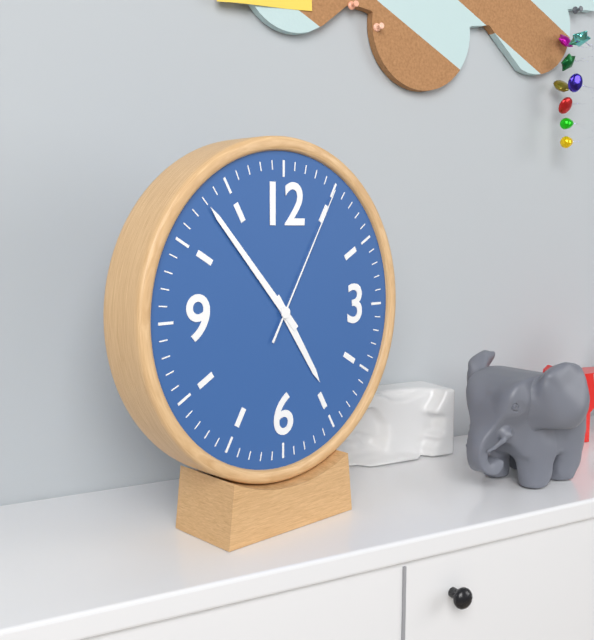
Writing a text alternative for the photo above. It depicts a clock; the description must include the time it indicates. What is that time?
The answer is 4:53:05
